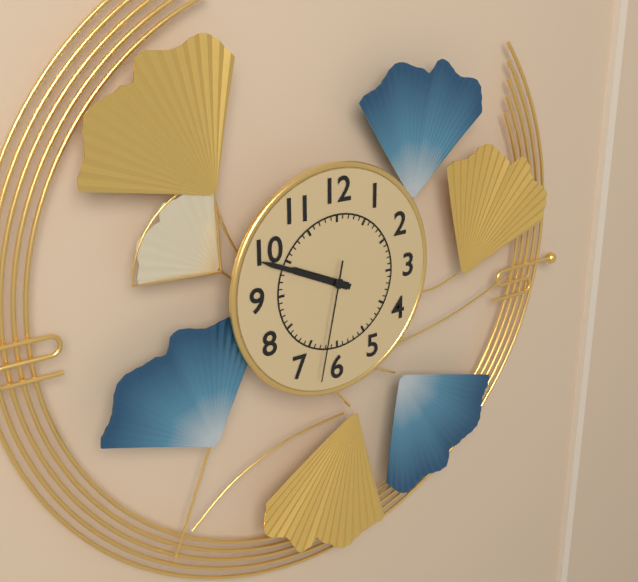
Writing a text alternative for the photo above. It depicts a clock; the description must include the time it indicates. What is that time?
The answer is 9:49:32
